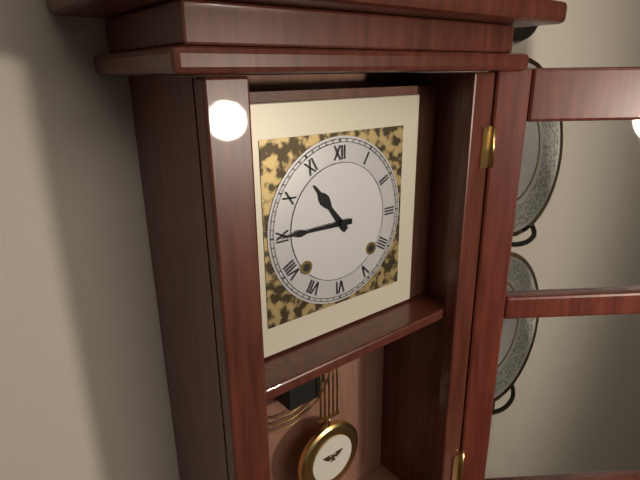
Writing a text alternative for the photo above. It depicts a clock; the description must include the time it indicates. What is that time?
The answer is 10:45
